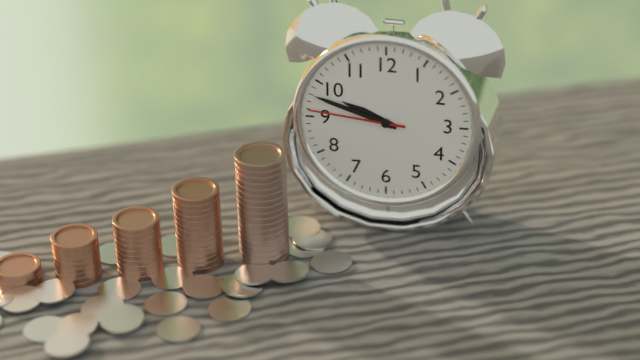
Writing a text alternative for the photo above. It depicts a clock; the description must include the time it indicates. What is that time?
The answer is 9:48:46
